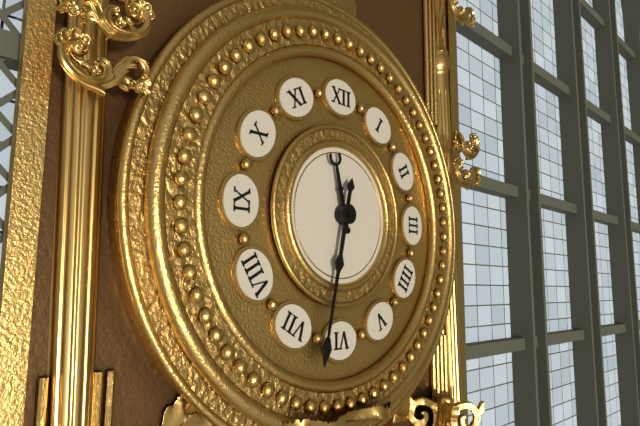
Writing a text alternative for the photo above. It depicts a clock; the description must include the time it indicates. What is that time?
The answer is 11:32
